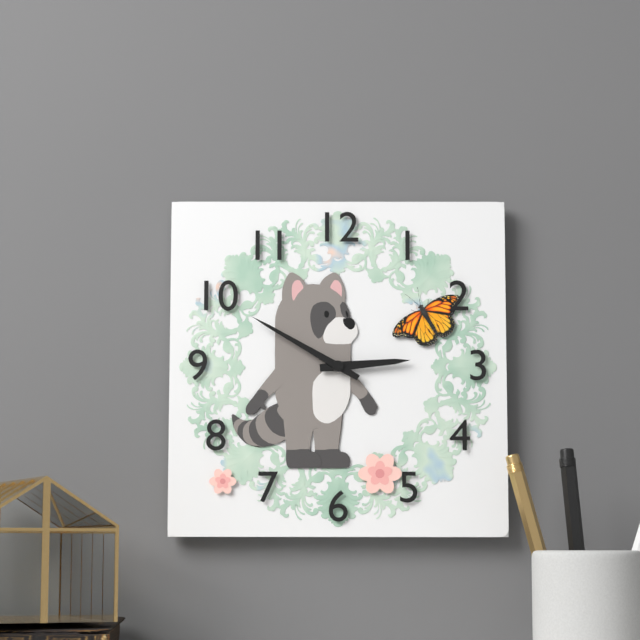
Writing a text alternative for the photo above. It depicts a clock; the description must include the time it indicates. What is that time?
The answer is 2:50
